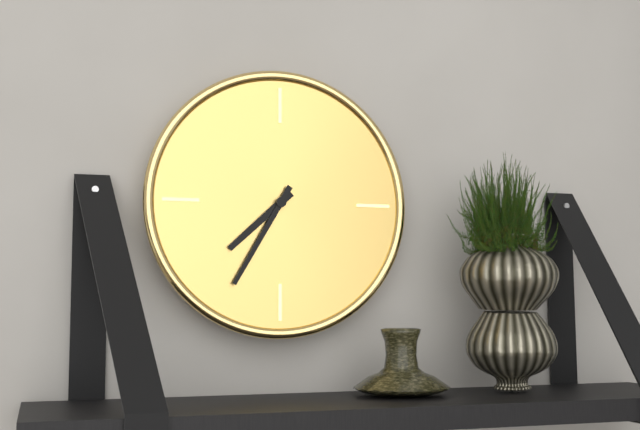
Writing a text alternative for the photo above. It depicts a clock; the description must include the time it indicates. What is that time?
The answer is 7:35
